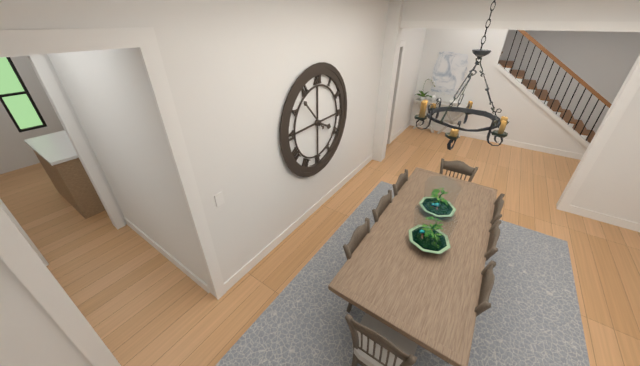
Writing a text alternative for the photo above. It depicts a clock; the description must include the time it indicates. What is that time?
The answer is 3:53
